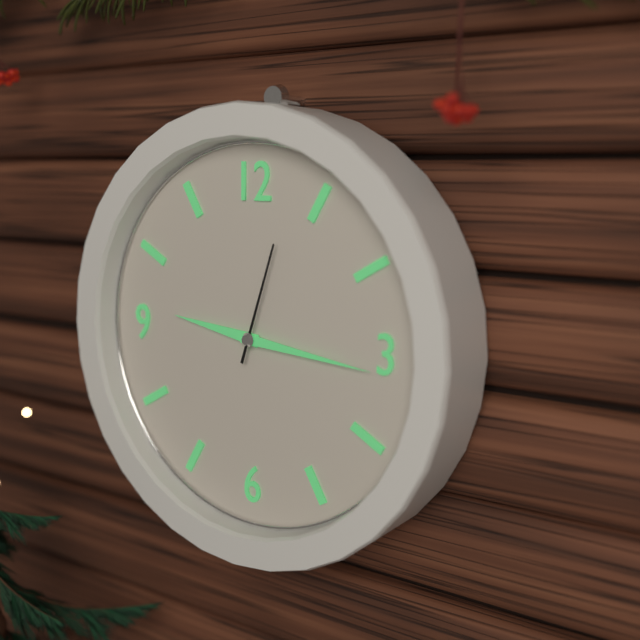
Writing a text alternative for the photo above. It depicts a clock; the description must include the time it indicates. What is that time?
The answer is 9:16:03
